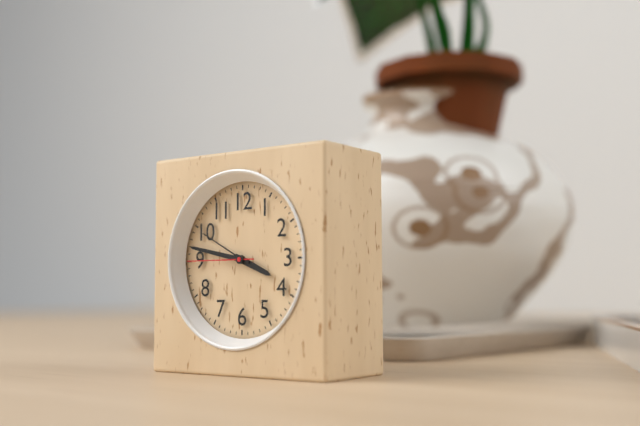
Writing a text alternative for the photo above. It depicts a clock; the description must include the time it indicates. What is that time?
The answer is 3:47:45
